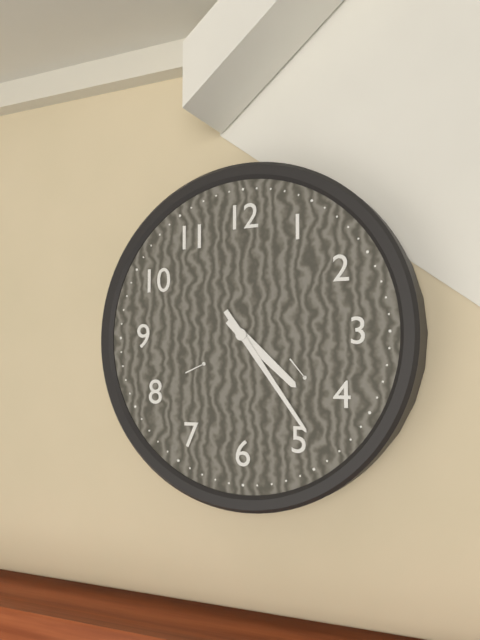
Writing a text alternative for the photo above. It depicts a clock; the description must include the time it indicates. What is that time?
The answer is 4:24
